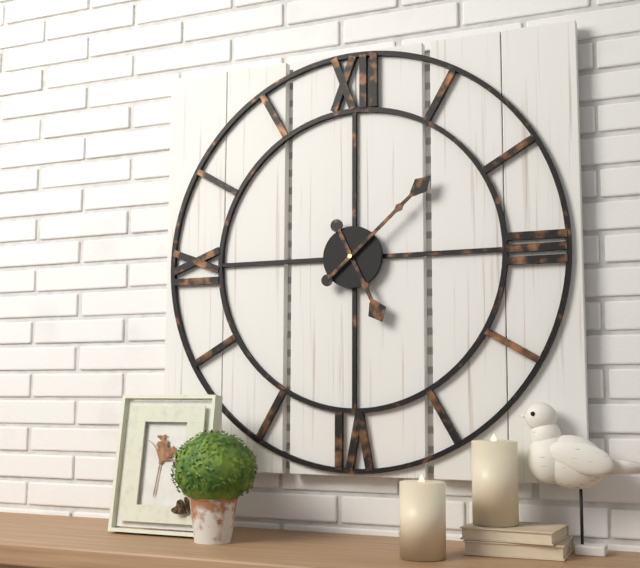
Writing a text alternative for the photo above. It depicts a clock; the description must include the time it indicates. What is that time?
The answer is 5:08
